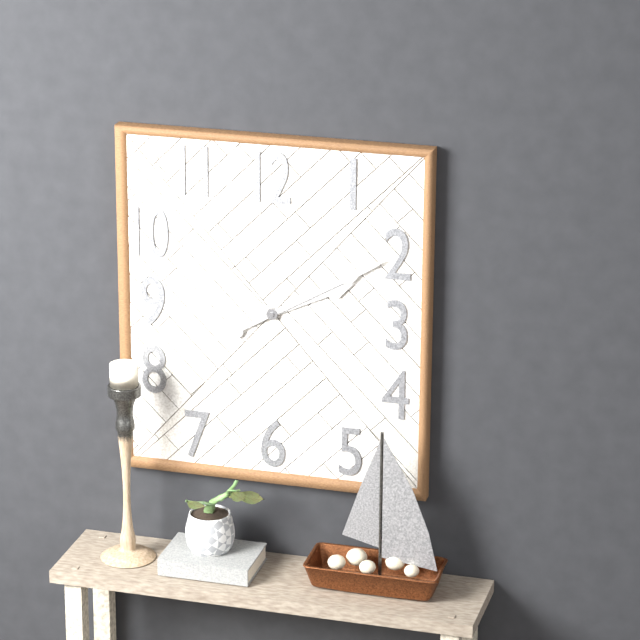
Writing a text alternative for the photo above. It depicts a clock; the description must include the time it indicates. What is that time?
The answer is 2:10
